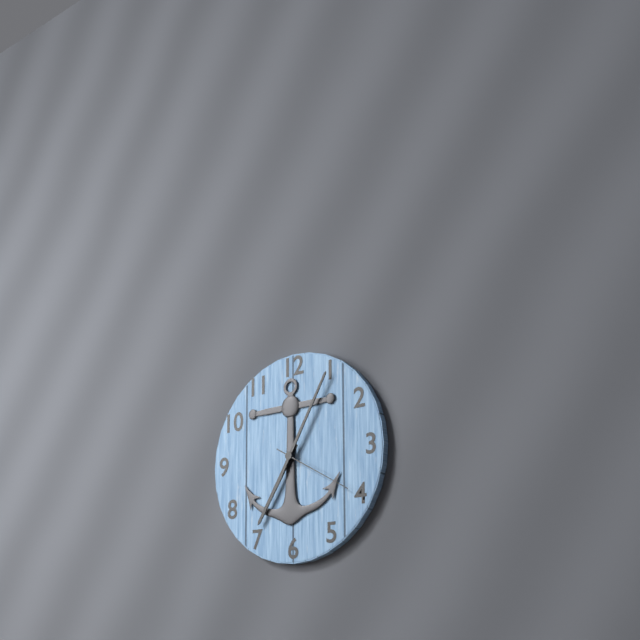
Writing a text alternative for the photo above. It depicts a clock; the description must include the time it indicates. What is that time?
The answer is 7:05:20
